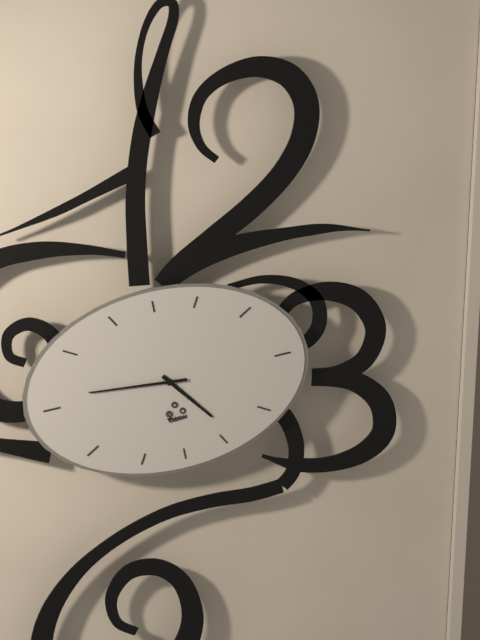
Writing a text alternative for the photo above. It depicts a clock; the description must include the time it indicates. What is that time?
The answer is 4:46
